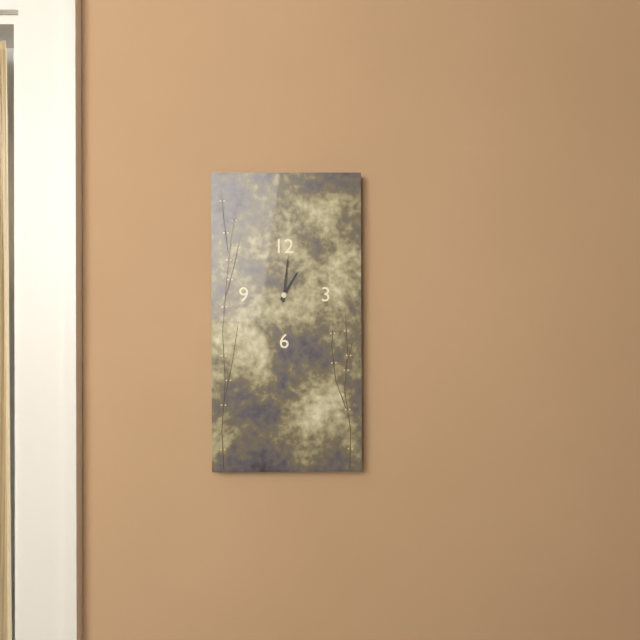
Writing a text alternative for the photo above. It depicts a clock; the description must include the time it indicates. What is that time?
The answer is 1:01
